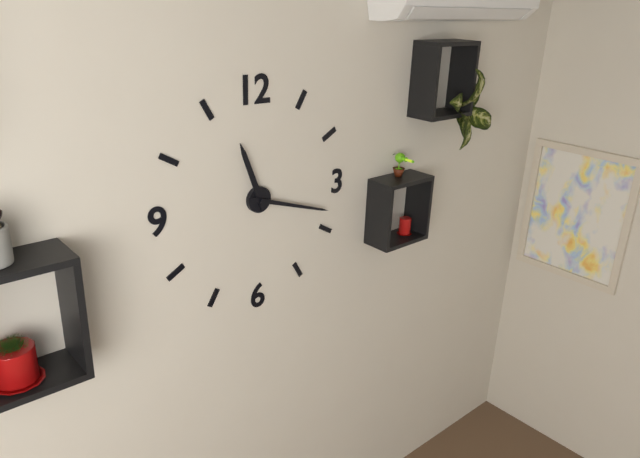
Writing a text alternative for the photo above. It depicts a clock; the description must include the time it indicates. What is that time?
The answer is 11:18
